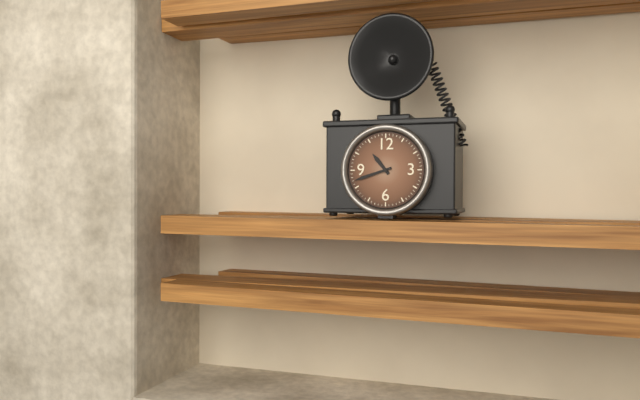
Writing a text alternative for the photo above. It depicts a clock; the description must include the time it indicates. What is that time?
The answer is 10:42
